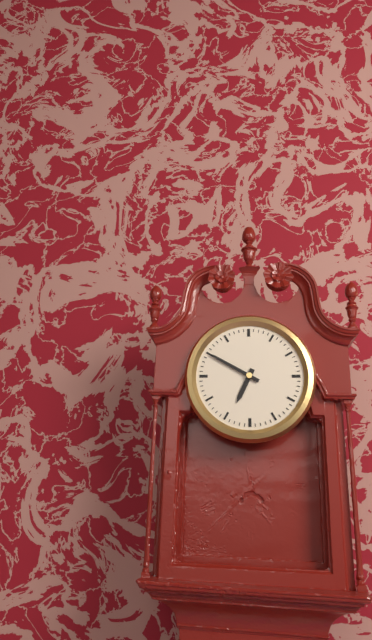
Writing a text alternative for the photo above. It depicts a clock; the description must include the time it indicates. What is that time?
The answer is 6:50
